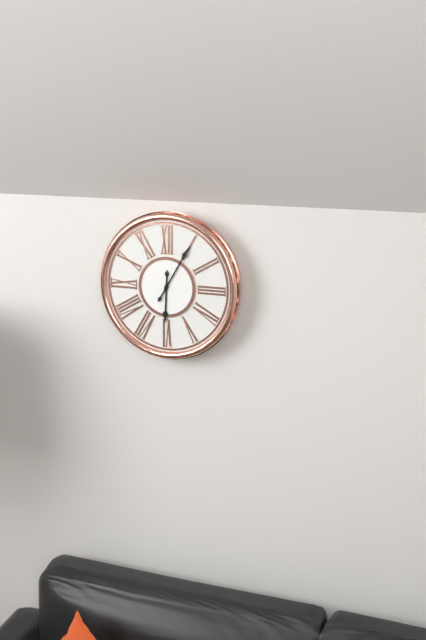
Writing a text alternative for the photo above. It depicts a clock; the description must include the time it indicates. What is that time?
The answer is 6:05
